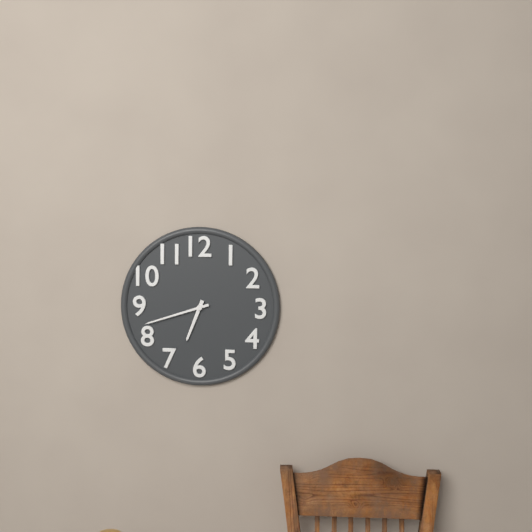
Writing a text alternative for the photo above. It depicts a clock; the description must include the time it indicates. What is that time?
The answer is 6:42
